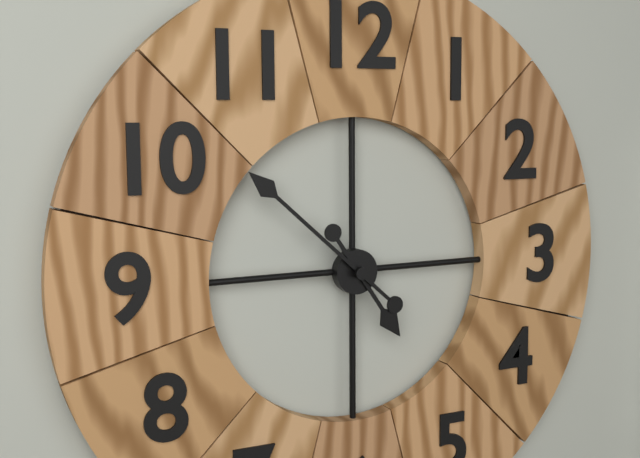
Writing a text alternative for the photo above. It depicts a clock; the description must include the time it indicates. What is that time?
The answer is 4:52
